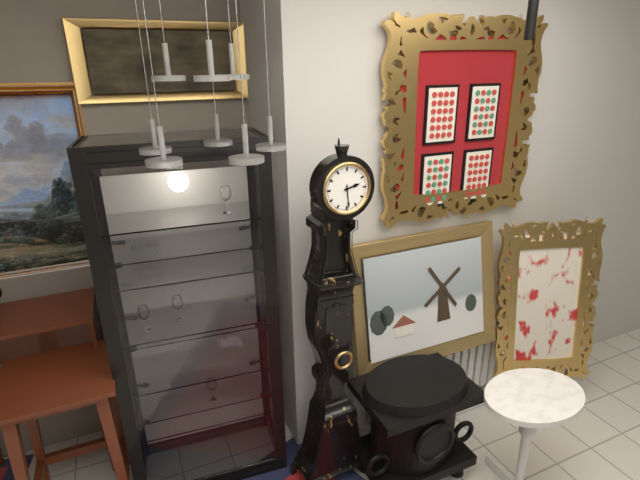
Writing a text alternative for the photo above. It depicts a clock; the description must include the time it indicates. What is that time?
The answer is 2:29
